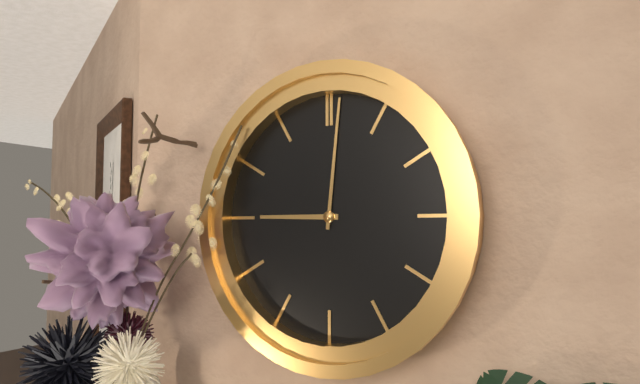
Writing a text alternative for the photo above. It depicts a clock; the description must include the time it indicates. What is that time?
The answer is 9:01
